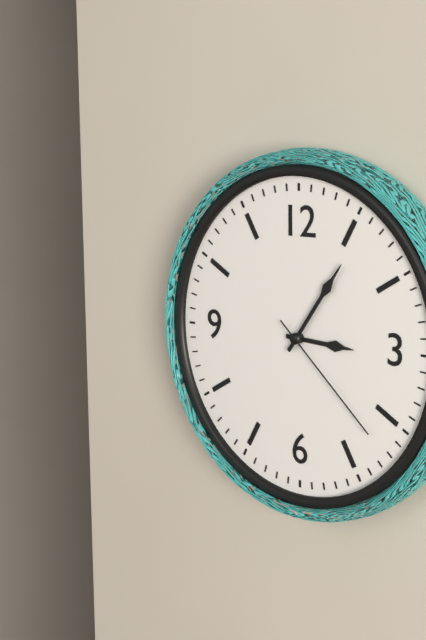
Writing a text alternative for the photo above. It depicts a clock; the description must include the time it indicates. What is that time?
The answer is 3:06:22
